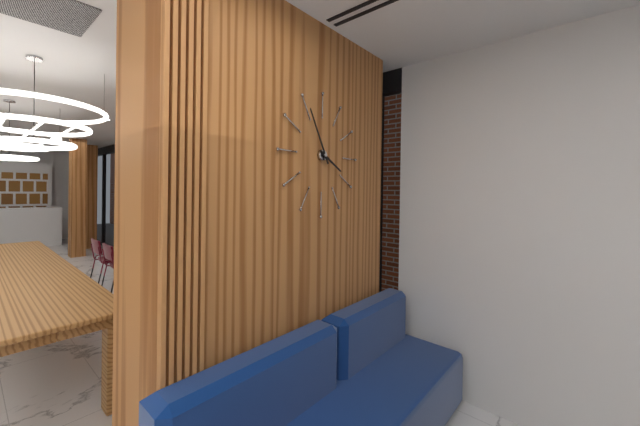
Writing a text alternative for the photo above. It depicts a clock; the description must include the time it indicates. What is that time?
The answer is 3:55
